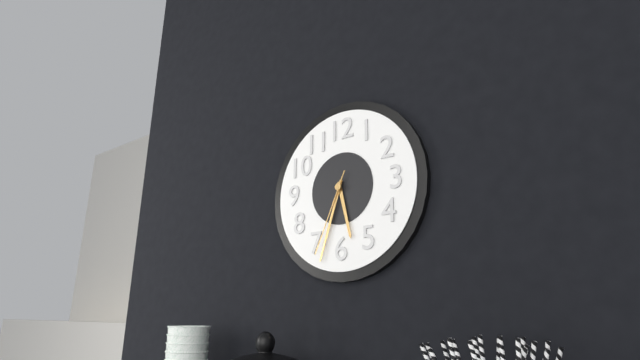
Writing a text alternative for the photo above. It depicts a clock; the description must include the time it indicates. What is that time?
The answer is 5:33:34
